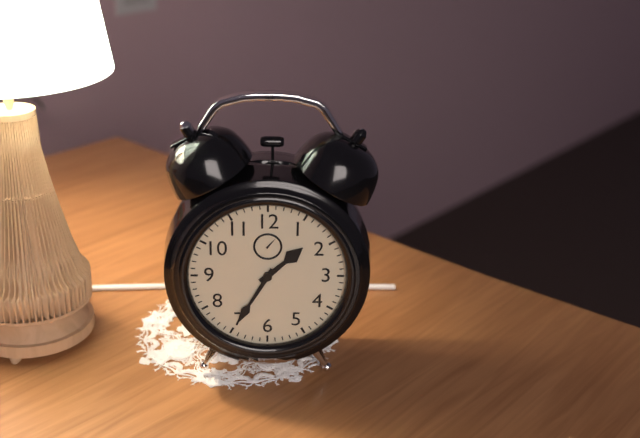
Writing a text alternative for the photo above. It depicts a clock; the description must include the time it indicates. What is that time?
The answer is 1:35
